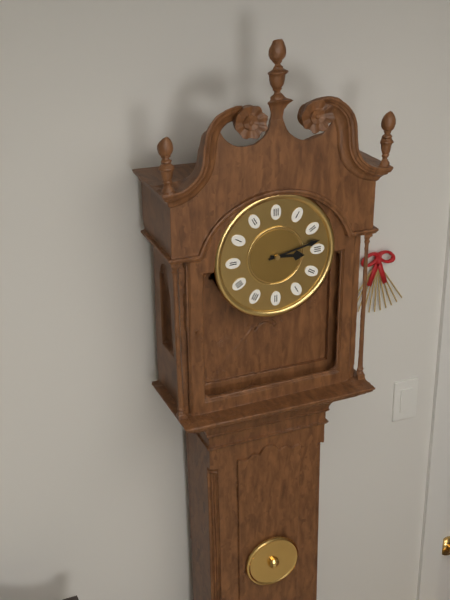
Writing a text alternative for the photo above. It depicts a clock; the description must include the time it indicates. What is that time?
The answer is 3:13
